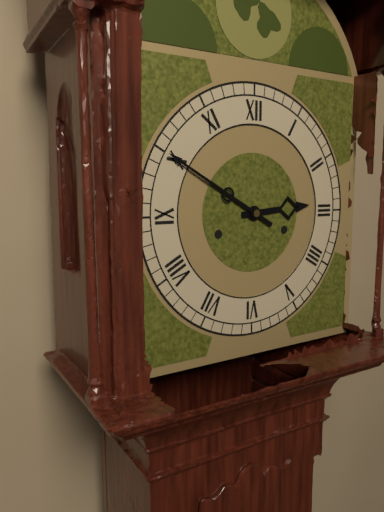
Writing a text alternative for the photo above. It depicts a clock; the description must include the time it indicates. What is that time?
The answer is 2:50
